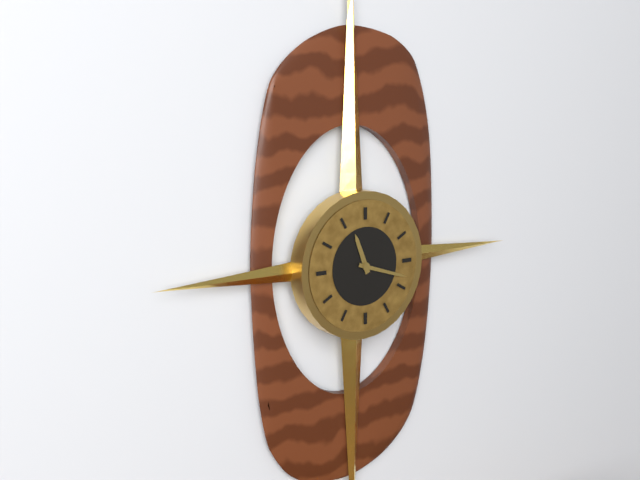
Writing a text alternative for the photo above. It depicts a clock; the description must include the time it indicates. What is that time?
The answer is 11:18
